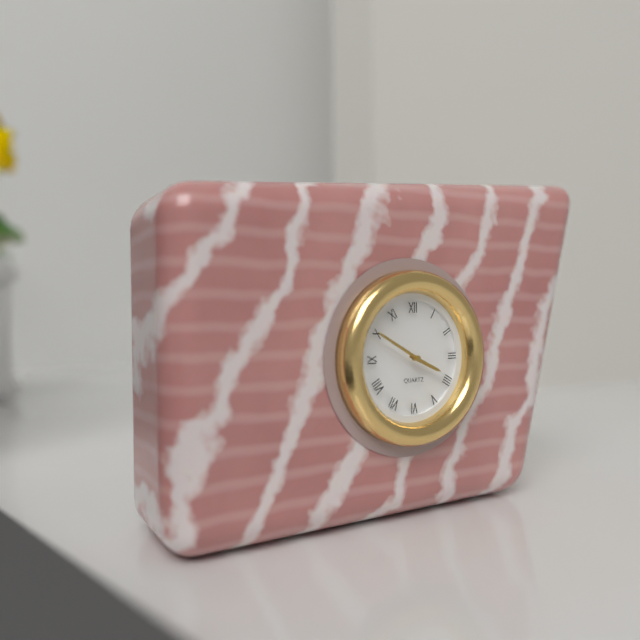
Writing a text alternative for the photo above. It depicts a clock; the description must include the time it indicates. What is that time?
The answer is 3:50
